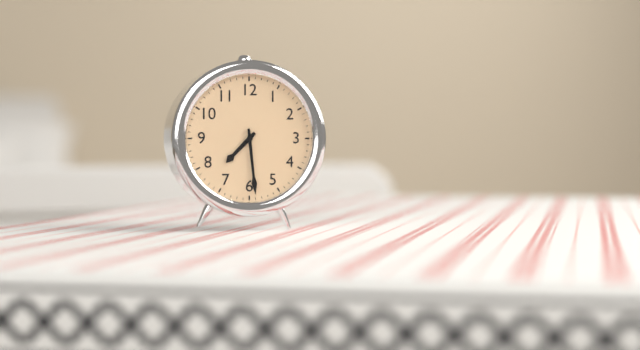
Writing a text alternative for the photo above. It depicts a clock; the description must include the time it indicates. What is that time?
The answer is 7:29
